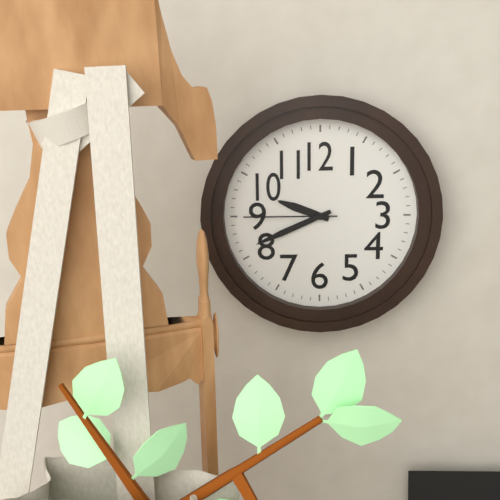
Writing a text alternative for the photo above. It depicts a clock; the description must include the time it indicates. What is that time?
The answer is 9:41:45
